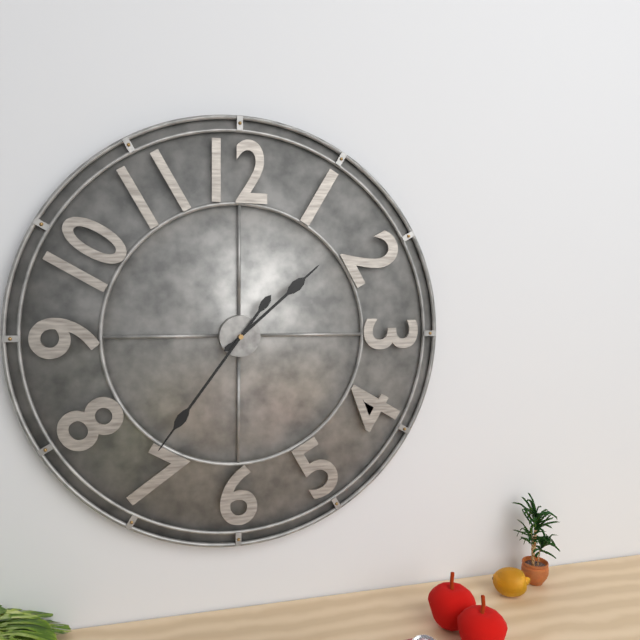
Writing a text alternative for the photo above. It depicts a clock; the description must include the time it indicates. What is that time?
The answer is 1:36
